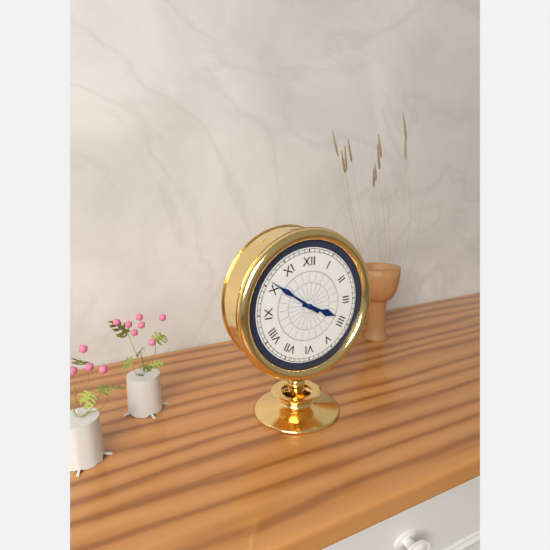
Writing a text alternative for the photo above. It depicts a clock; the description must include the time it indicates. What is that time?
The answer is 3:51
